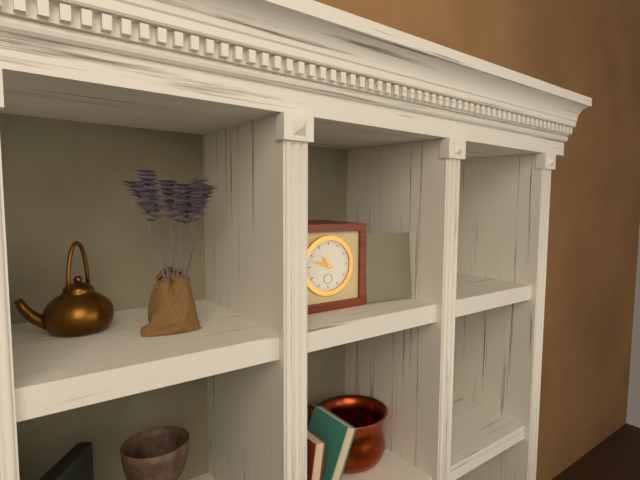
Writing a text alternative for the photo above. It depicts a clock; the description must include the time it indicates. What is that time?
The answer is 10:48
